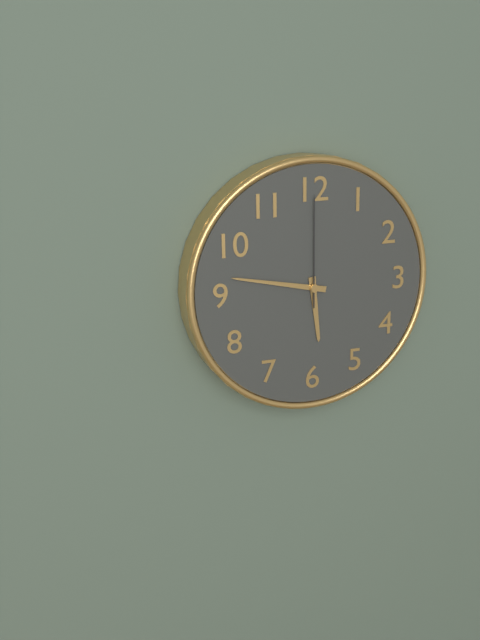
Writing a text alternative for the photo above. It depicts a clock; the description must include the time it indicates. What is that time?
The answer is 5:47:00
